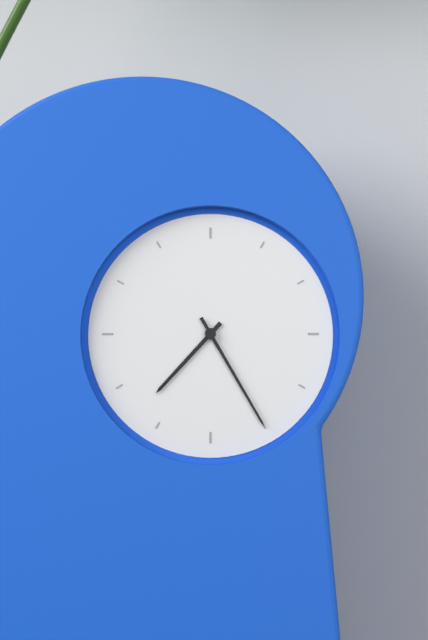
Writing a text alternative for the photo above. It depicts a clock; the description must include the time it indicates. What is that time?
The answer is 7:25
